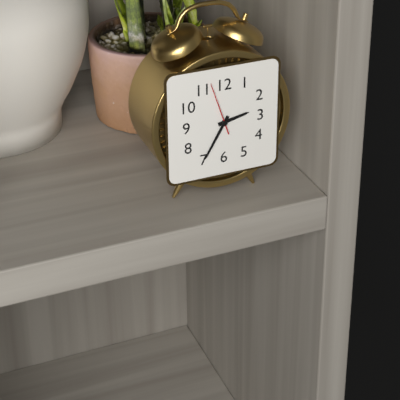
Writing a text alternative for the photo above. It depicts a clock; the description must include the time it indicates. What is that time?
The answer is 2:35:57
